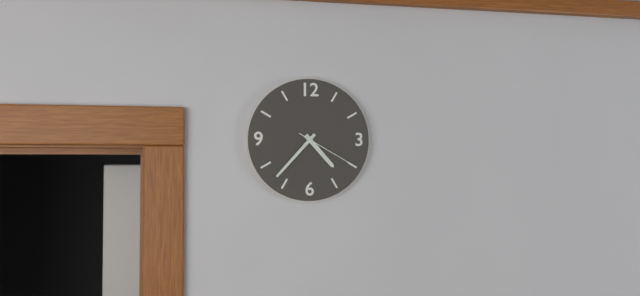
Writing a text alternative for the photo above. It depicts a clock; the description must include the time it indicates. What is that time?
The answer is 4:37:20
